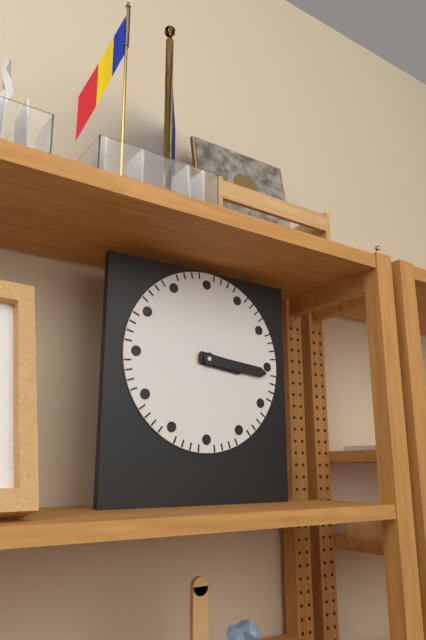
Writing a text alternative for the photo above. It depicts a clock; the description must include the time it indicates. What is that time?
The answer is 3:16
